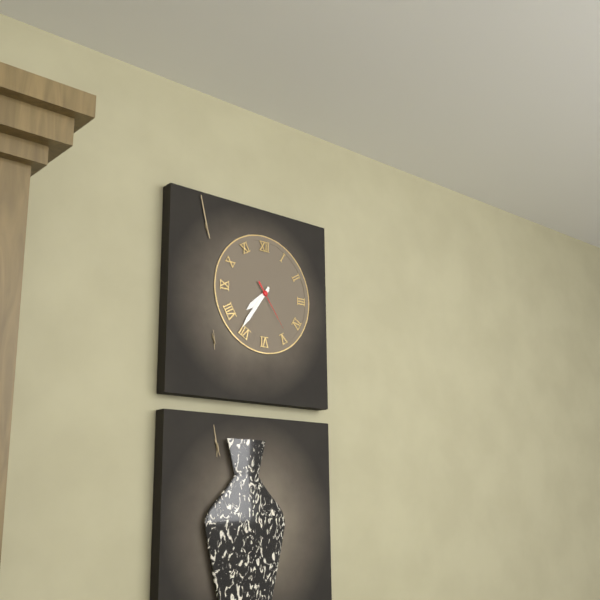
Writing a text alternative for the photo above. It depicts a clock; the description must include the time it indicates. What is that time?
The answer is 7:36:24
